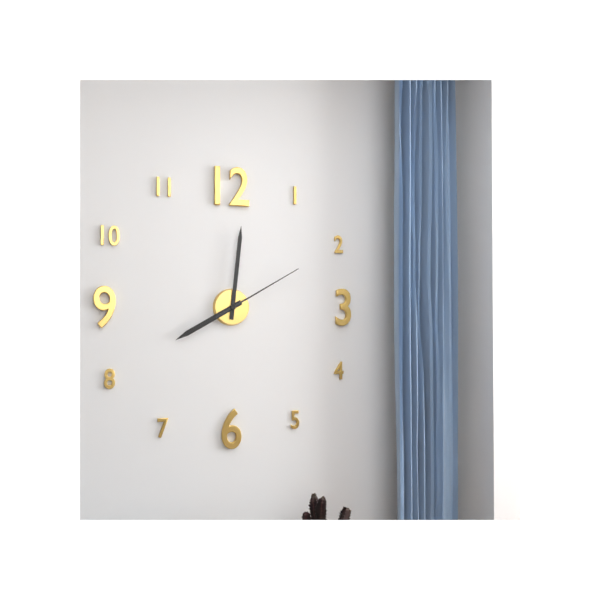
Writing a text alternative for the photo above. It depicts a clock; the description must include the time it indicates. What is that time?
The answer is 8:01:10
